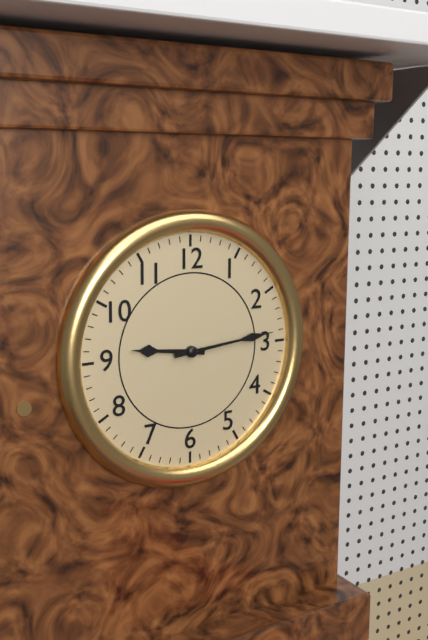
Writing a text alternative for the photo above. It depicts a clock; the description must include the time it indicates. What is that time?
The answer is 9:14
